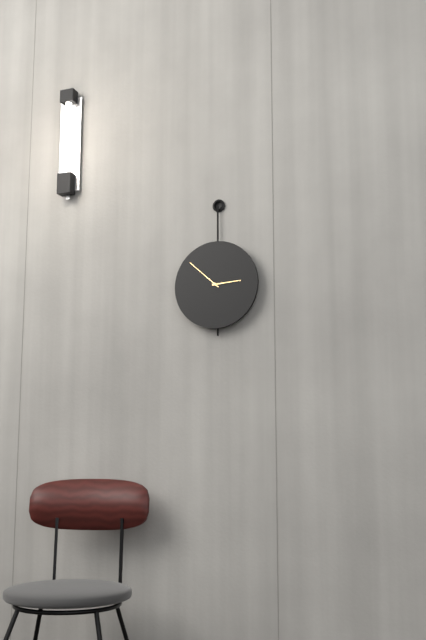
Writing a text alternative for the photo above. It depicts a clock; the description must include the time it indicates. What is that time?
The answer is 2:52
